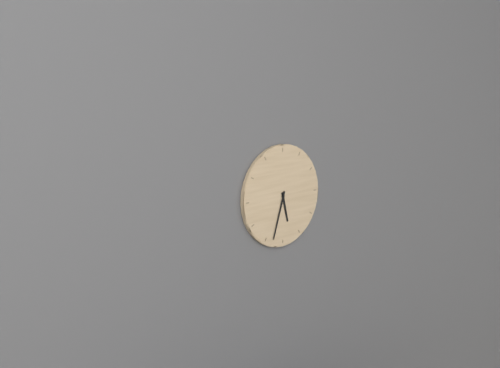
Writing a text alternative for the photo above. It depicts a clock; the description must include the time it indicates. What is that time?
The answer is 5:33
